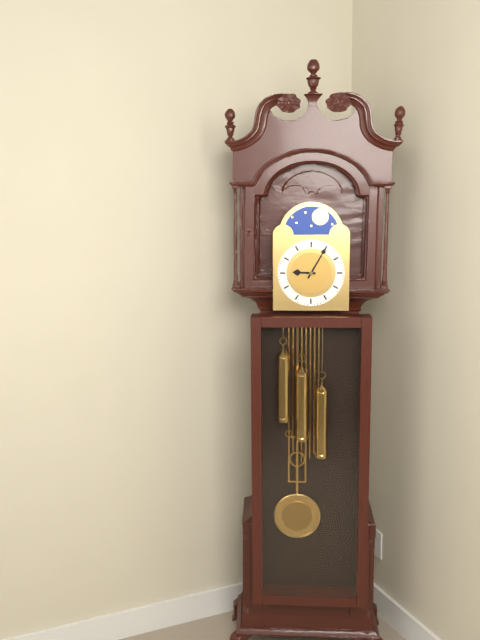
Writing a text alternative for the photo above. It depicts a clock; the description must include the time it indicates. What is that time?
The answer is 9:05
